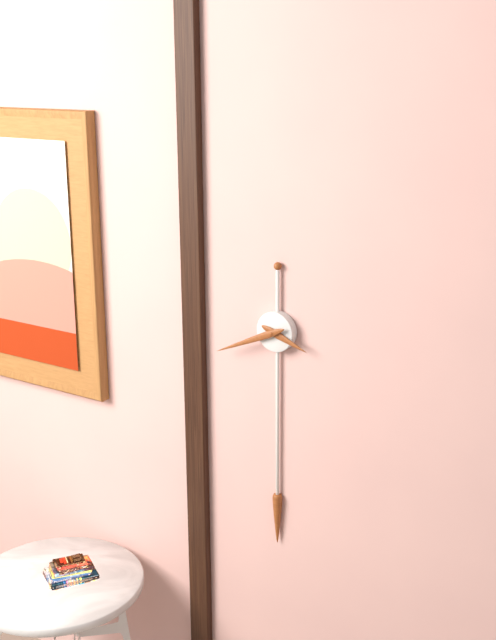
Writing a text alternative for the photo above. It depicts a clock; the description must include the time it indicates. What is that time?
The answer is 3:41
